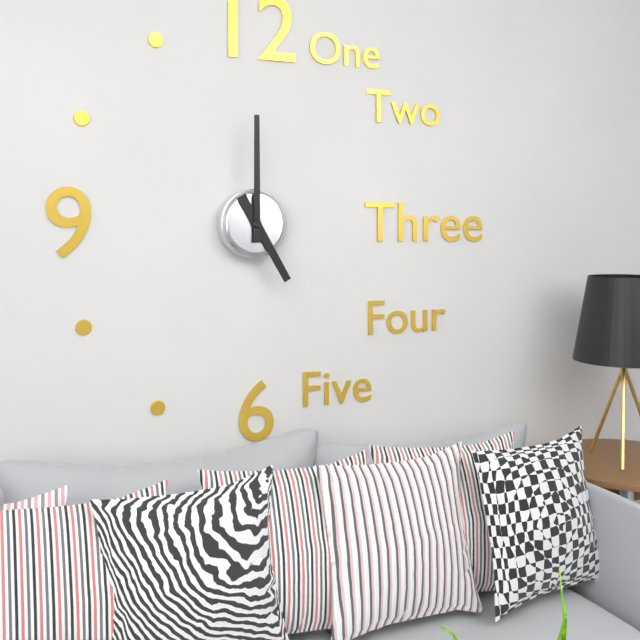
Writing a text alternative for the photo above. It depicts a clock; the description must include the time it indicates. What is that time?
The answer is 5:00
